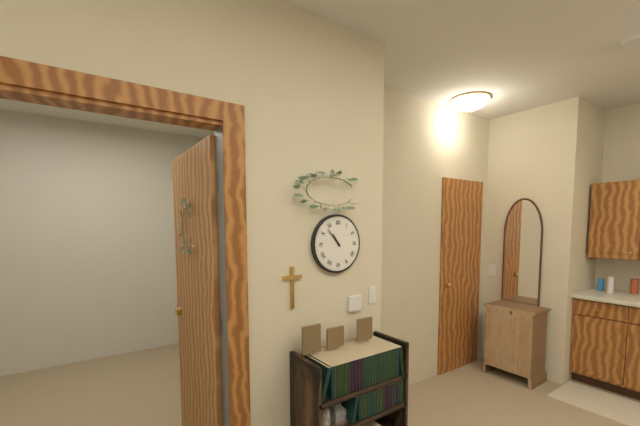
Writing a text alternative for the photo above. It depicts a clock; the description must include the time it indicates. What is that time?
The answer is 10:53
